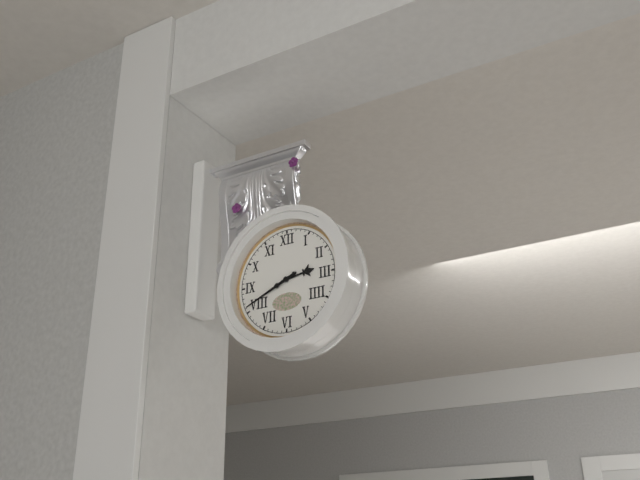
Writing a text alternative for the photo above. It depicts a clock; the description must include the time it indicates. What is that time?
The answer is 2:41
